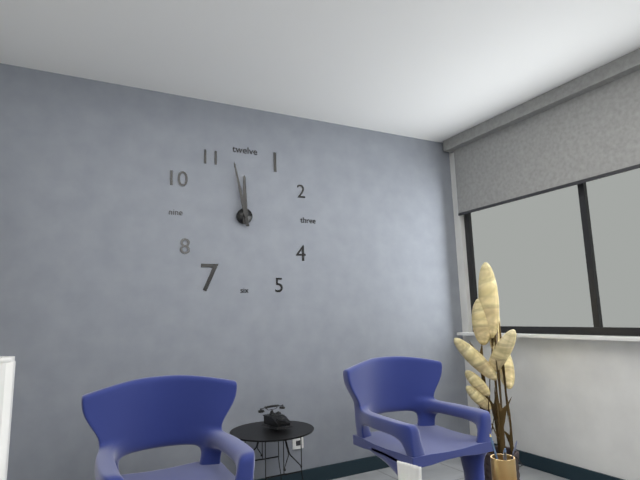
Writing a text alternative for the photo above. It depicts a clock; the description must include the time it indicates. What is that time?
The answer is 11:58
